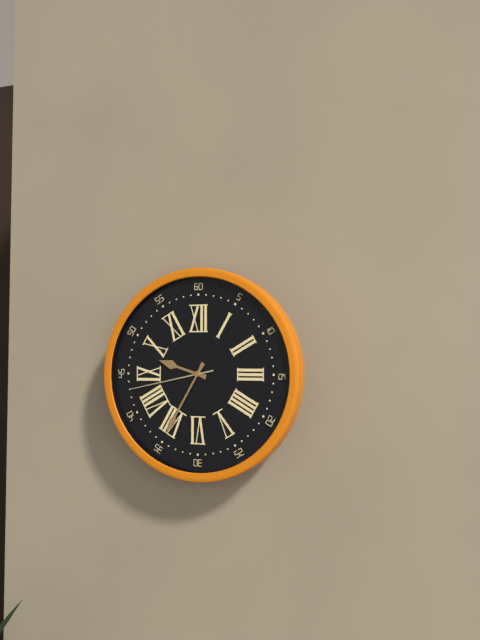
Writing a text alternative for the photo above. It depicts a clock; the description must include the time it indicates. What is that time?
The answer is 9:35:43
